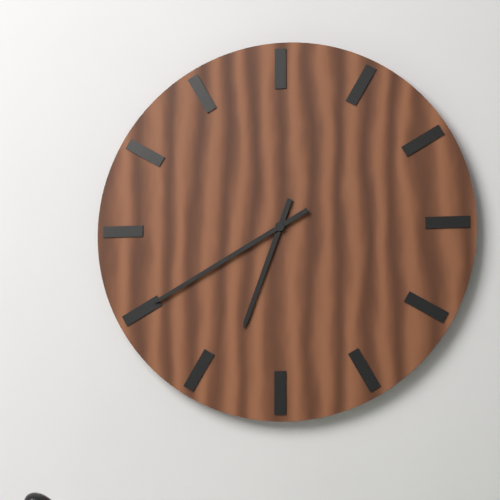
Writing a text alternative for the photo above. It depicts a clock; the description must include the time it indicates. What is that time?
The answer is 6:40
